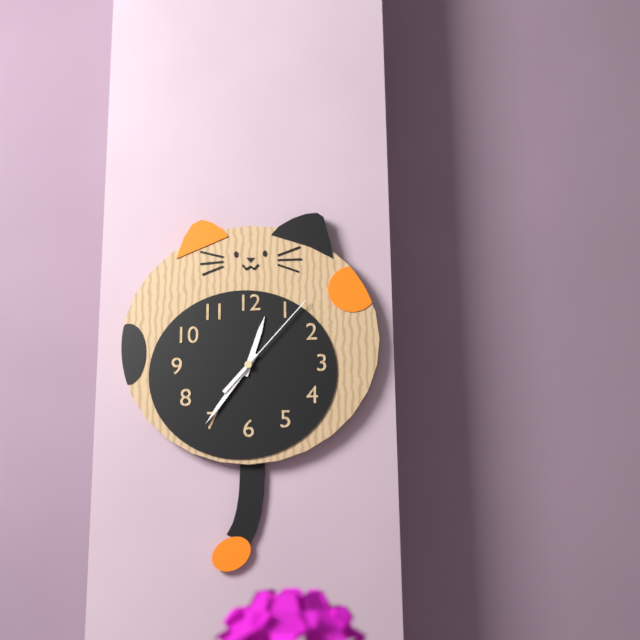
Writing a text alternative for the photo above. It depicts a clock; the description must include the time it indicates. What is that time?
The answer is 12:36:07
